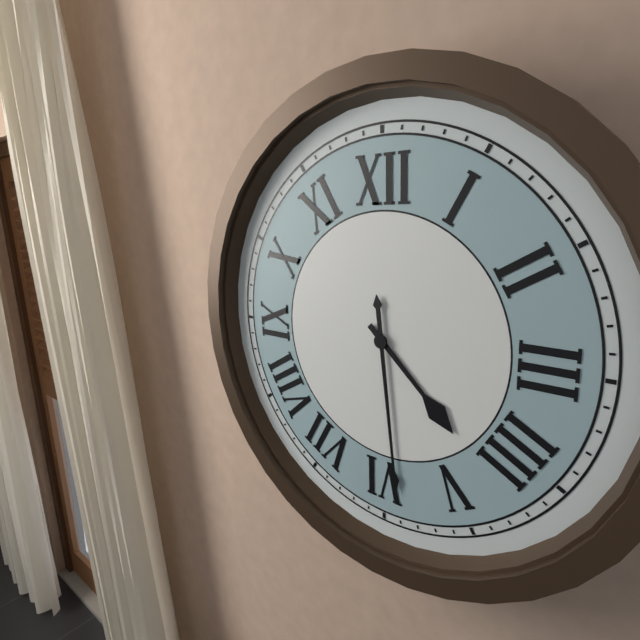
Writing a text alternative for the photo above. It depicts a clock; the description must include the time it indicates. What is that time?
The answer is 4:29
